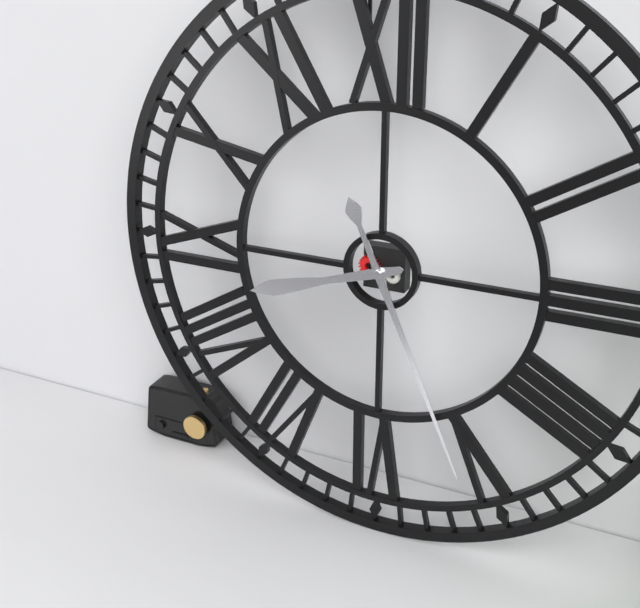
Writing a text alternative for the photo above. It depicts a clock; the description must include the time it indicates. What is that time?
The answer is 8:26
